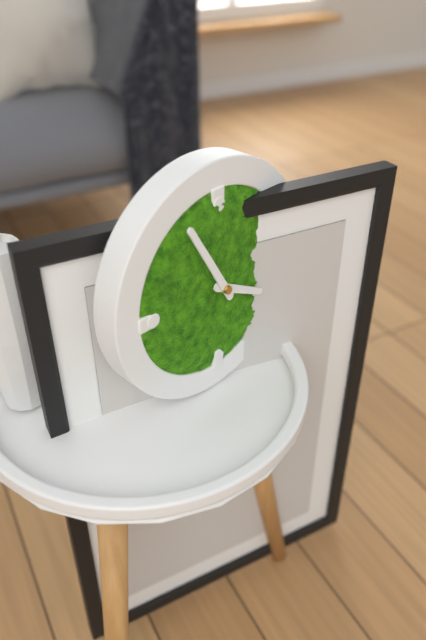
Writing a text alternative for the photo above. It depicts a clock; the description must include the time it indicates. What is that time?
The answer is 3:55
